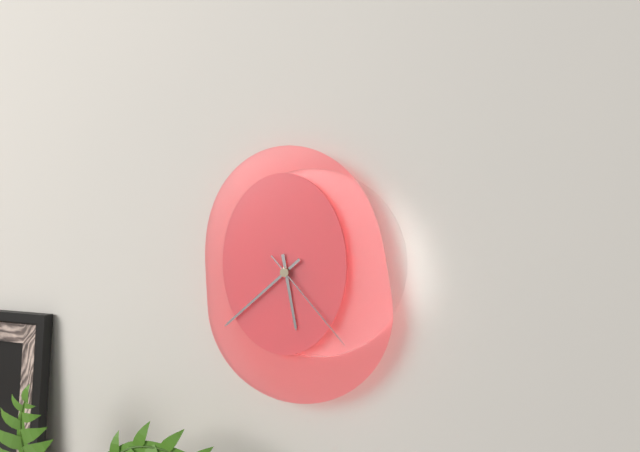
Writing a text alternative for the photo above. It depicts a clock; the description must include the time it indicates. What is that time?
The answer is 5:38:23
